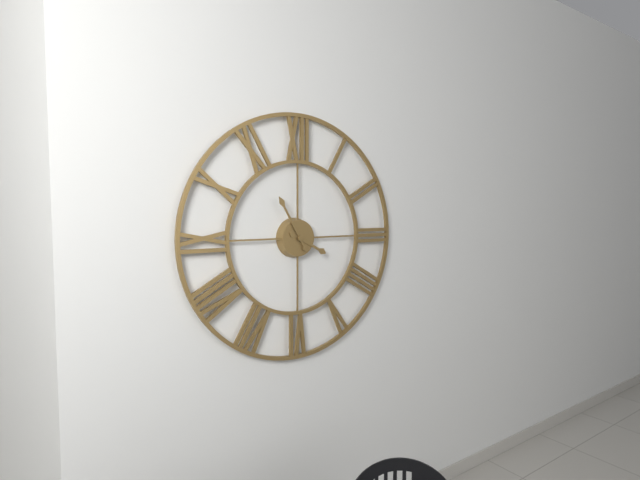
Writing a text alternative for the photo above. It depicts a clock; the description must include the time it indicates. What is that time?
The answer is 3:55
